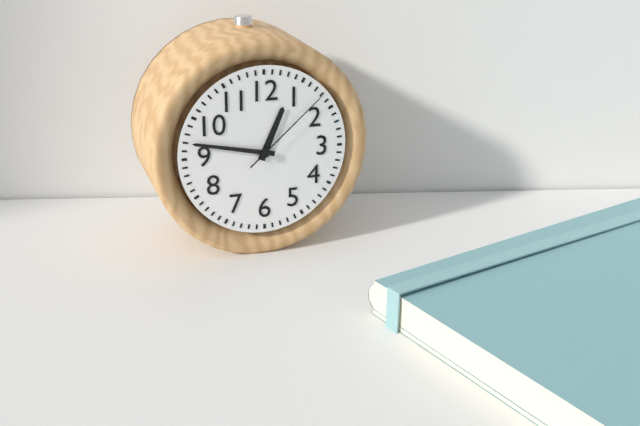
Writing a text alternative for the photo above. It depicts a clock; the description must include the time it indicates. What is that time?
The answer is 12:47:08
